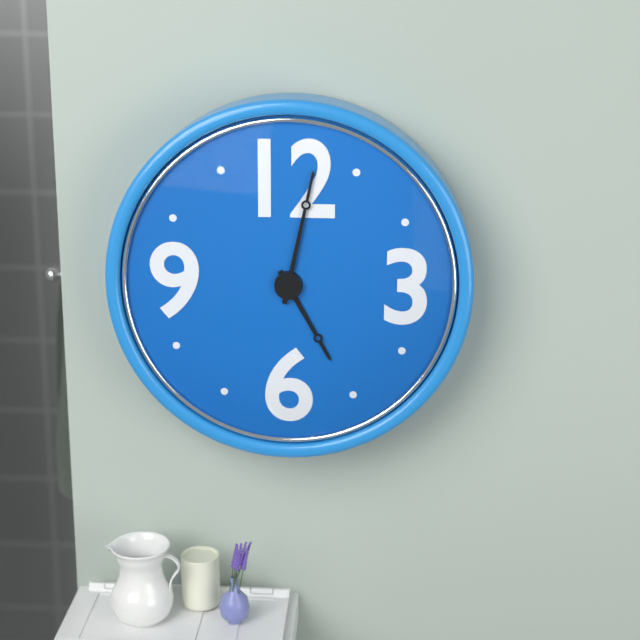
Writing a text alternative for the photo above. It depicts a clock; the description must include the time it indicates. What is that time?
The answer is 5:02
